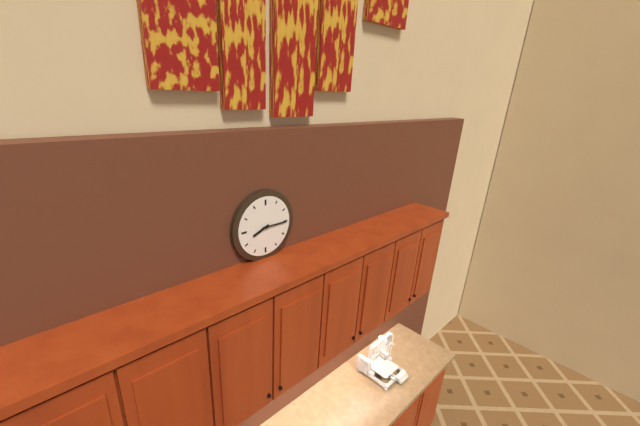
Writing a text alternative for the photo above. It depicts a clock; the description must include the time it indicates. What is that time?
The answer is 8:15
